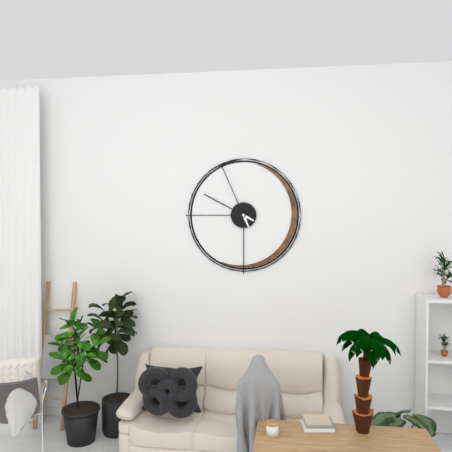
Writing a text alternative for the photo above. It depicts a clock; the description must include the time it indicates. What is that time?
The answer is 9:56
